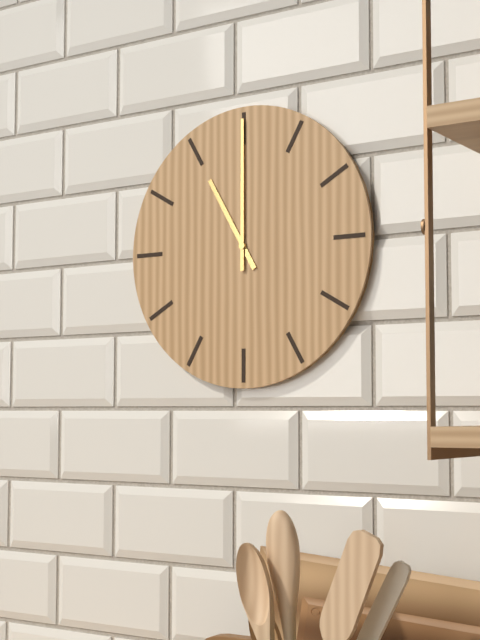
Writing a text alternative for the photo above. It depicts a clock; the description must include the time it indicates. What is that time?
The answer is 11:00
